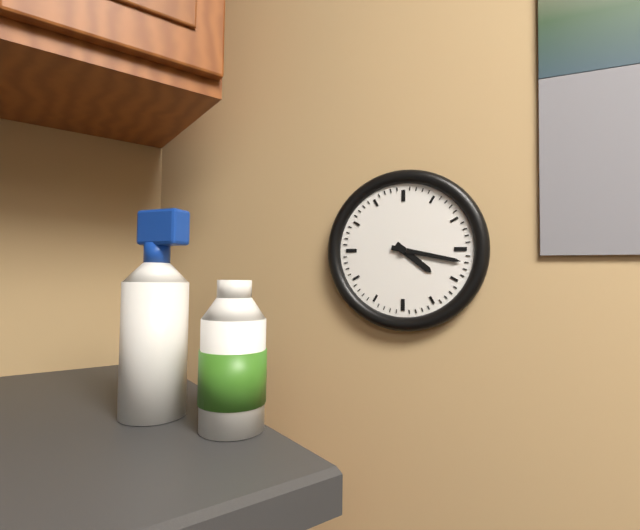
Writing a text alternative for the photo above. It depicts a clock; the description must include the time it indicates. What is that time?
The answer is 4:17
